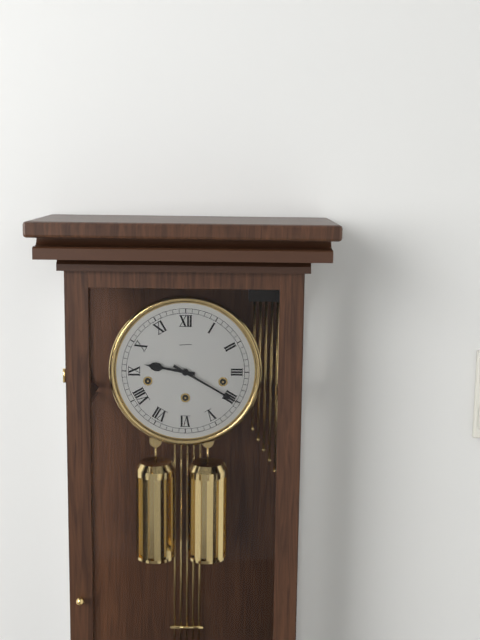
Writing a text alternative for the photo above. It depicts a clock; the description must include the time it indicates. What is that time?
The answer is 9:20
